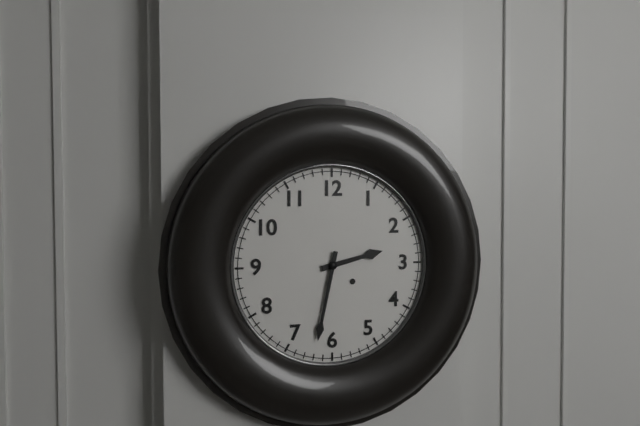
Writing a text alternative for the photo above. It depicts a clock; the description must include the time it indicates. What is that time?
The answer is 2:32
